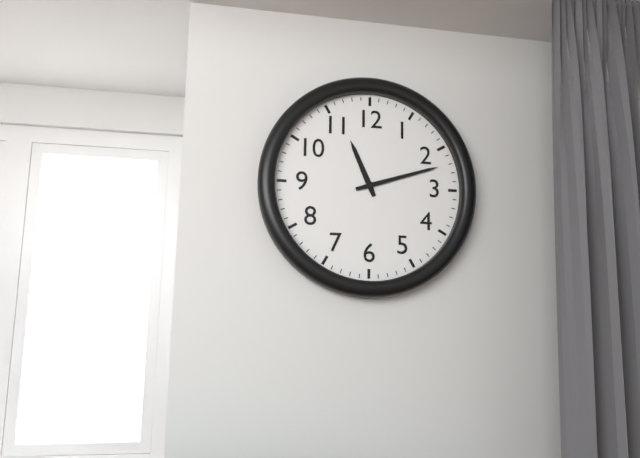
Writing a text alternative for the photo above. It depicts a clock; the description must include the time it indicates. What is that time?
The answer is 11:12
